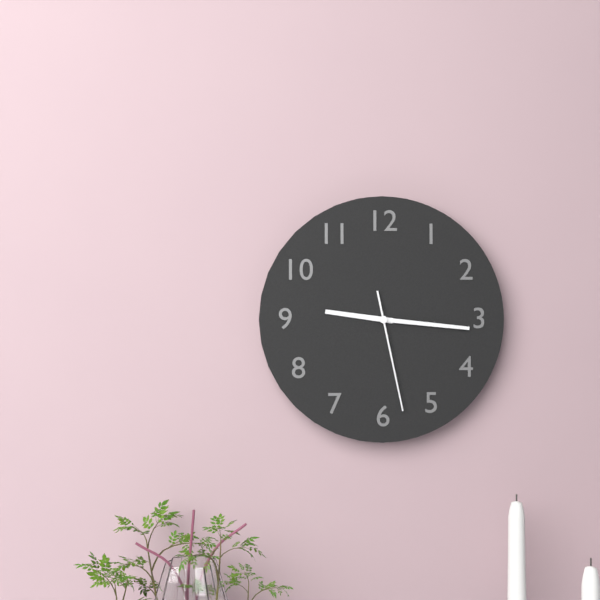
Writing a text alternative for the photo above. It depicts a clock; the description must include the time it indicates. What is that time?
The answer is 9:16:28
